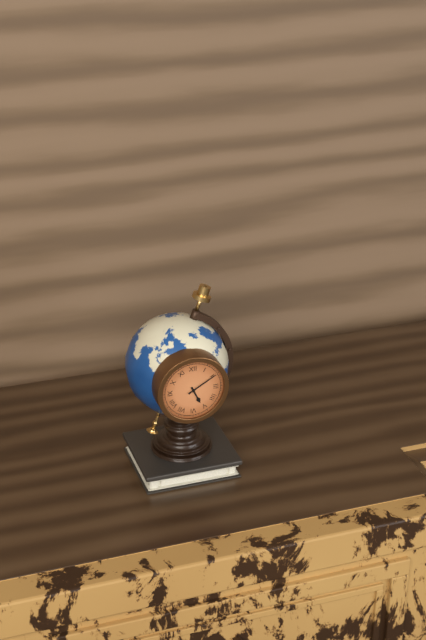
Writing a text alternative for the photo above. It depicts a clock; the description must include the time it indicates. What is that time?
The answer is 5:10
